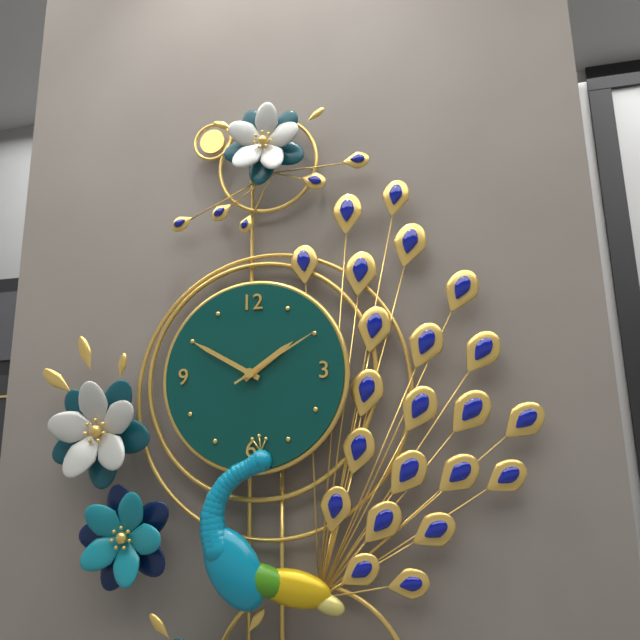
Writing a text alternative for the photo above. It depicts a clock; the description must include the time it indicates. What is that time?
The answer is 1:50:10
